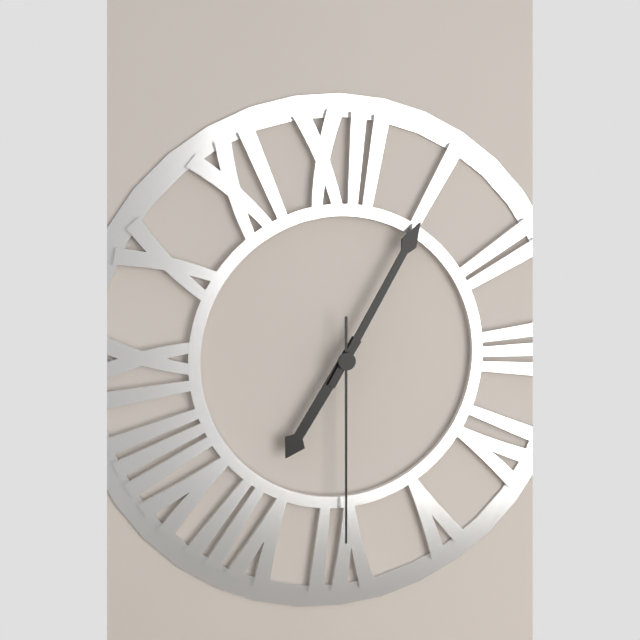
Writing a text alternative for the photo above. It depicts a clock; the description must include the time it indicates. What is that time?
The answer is 7:05:30
